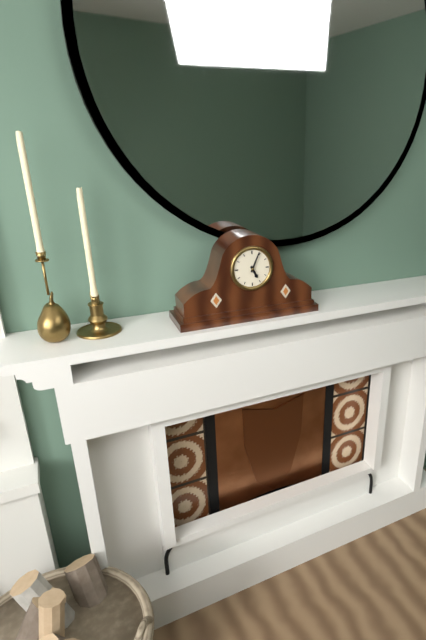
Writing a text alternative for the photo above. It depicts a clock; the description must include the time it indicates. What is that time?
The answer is 5:04
